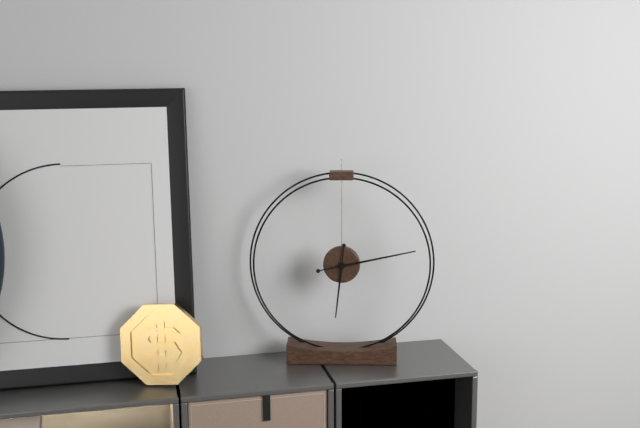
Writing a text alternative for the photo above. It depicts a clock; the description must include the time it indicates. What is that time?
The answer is 6:13
